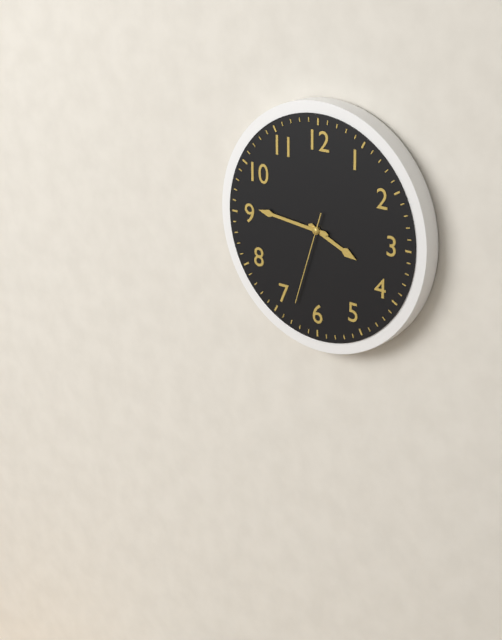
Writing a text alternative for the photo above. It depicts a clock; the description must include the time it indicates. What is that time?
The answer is 3:46:33
